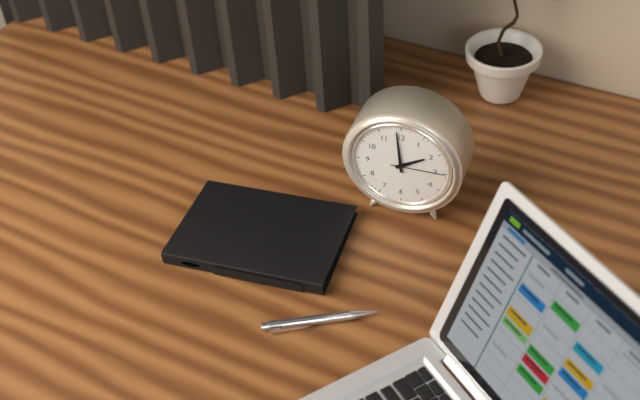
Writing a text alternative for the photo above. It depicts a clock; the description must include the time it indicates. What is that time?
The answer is 1:59:15
